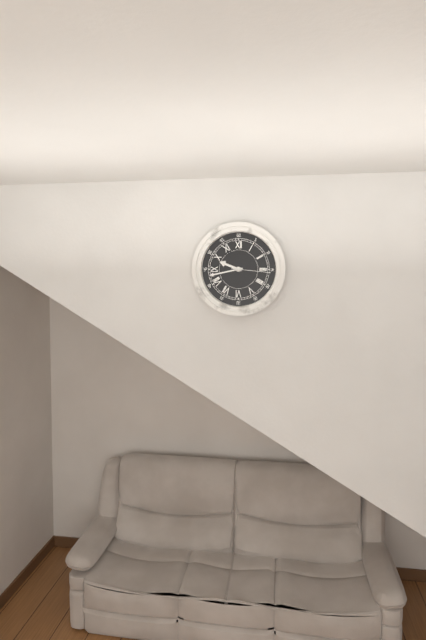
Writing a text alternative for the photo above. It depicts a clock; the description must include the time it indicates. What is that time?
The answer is 9:43
